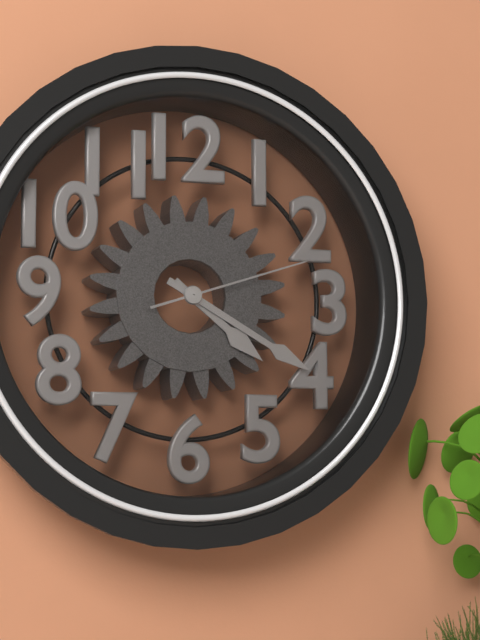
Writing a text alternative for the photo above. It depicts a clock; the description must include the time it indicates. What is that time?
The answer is 4:20:12
